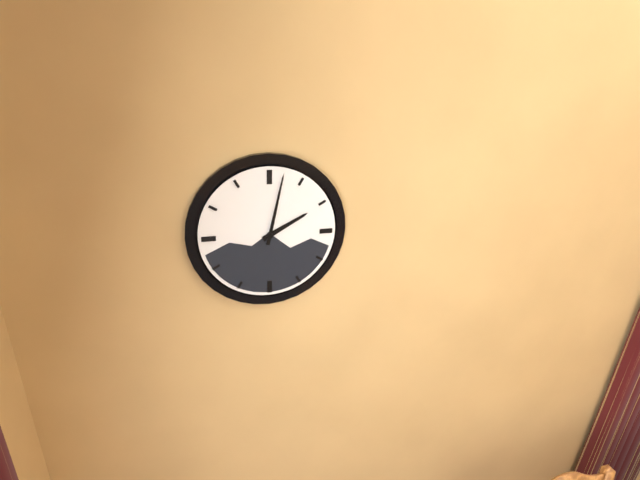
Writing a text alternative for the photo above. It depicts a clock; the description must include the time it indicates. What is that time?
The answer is 2:02
